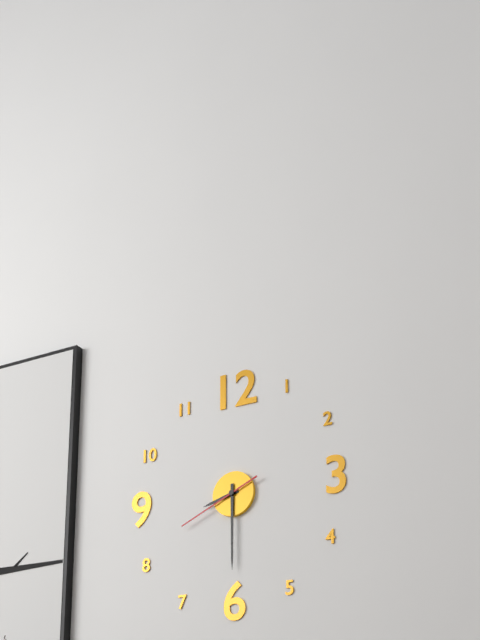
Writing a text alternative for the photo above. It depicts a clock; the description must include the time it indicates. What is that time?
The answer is 8:30:41
